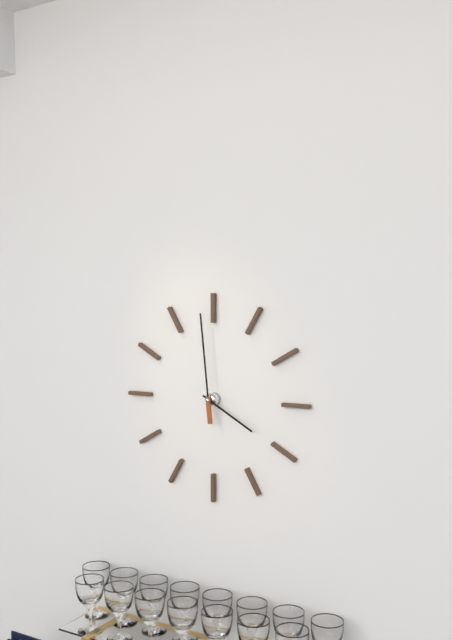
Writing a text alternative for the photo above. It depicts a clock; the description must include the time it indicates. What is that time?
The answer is 3:59
